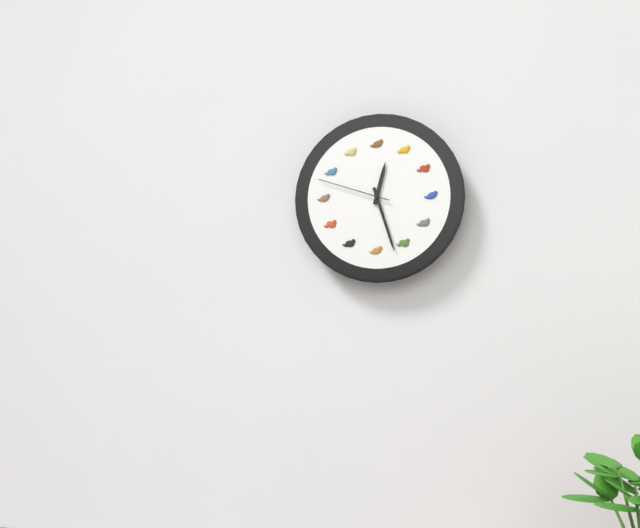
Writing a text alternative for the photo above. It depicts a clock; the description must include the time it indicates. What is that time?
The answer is 12:27:48
